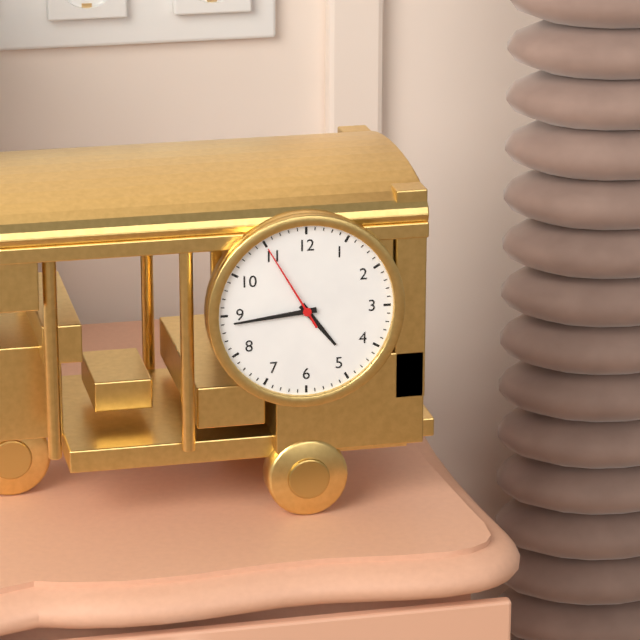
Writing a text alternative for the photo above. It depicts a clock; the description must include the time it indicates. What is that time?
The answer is 4:44:55
